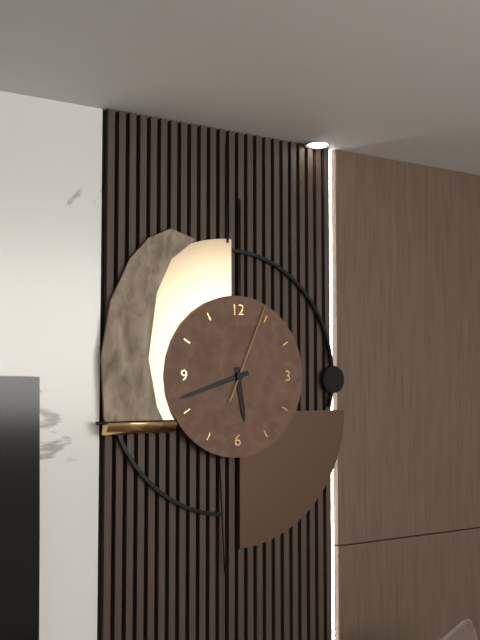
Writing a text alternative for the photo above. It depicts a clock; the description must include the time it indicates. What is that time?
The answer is 5:42:04
